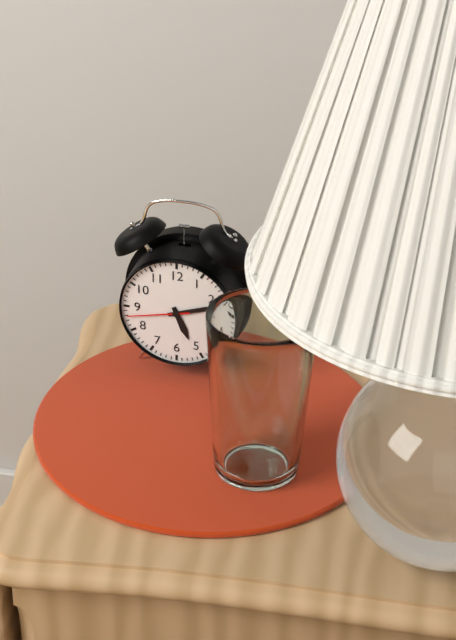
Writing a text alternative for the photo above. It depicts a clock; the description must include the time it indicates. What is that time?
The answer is 5:12:43
